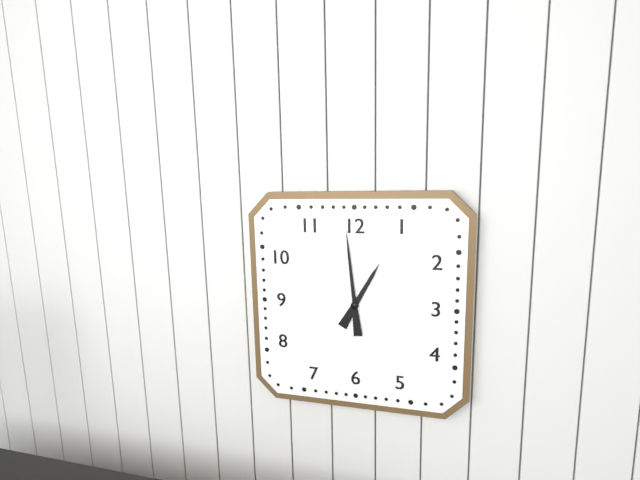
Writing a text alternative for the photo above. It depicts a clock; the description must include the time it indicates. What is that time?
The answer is 12:59
